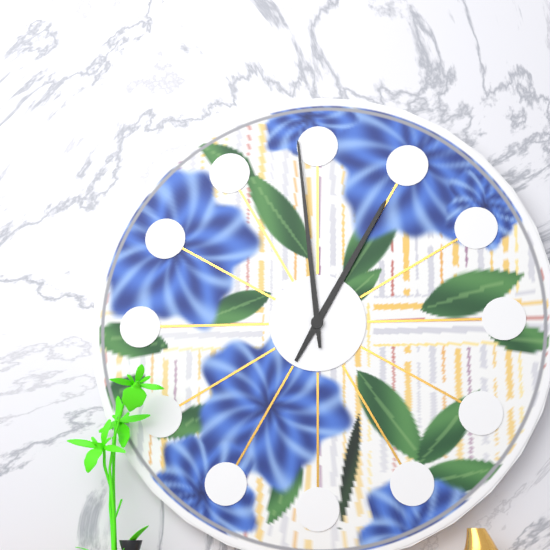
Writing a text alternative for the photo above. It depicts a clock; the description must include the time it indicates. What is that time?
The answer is 12:59
